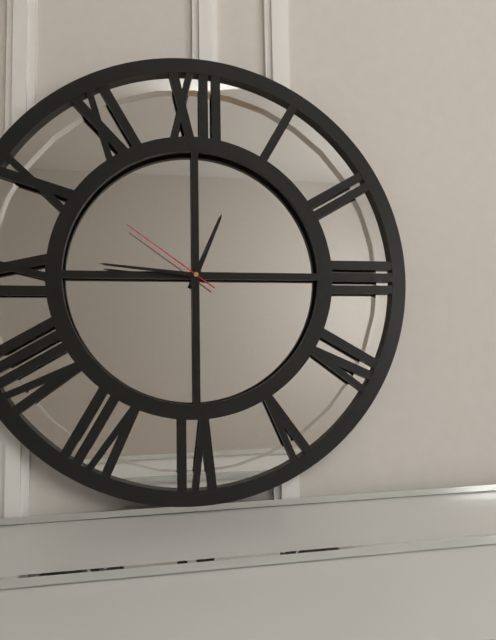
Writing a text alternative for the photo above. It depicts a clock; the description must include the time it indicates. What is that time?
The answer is 12:46:51
